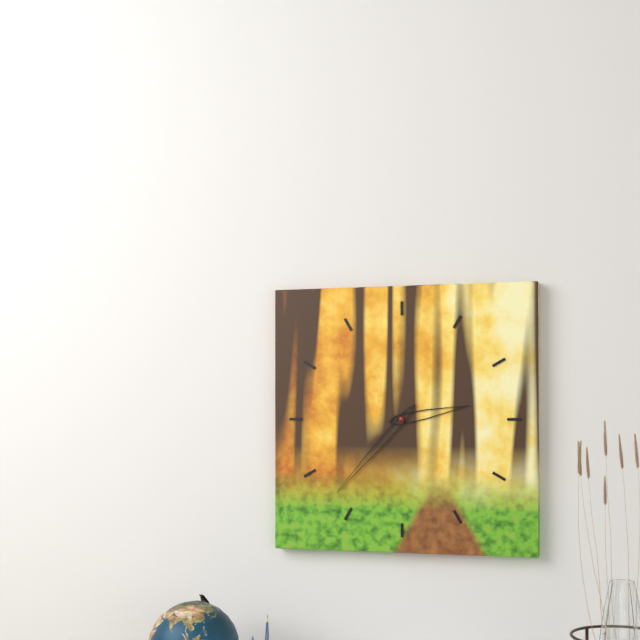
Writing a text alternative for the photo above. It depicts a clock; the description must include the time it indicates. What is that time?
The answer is 2:37
